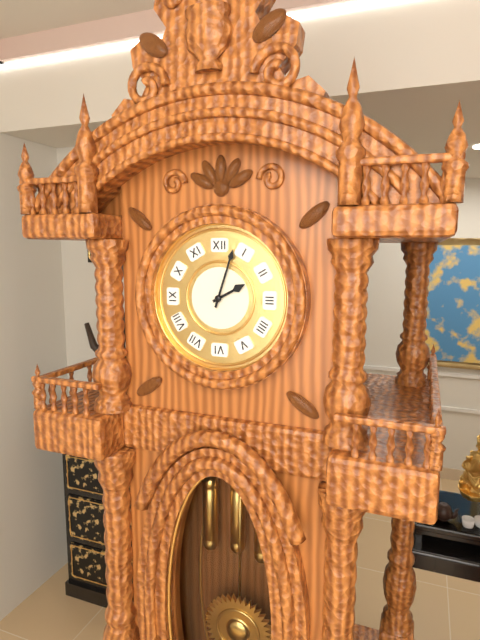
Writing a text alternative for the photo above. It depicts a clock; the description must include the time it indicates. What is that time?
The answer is 2:03
